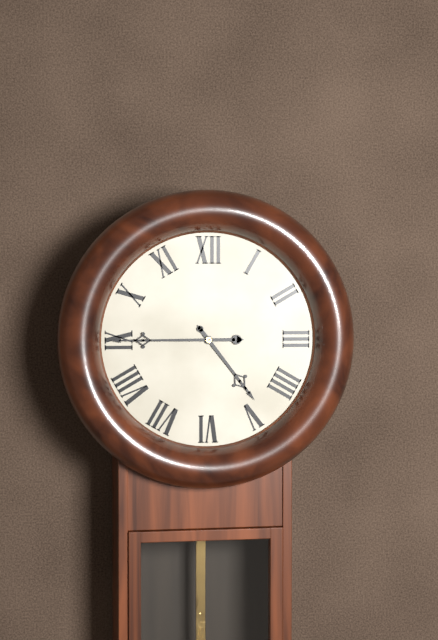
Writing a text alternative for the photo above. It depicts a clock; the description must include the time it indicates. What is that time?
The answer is 4:45
